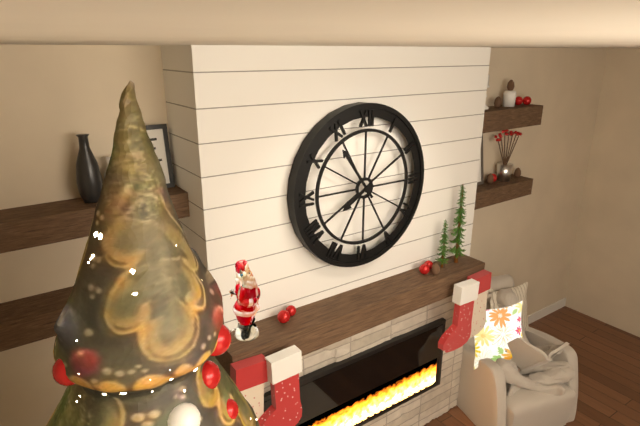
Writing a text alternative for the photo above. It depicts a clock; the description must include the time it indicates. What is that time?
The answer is 7:54
